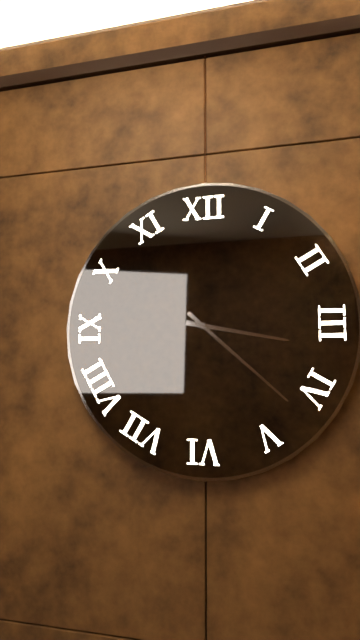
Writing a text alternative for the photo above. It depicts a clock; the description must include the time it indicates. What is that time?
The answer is 3:22
